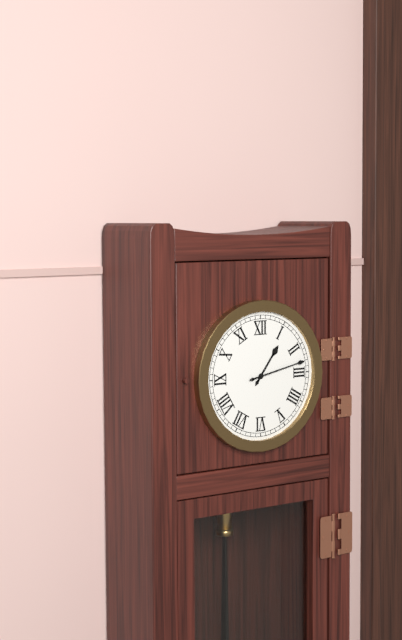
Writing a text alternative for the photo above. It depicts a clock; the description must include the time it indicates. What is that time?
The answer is 1:13
